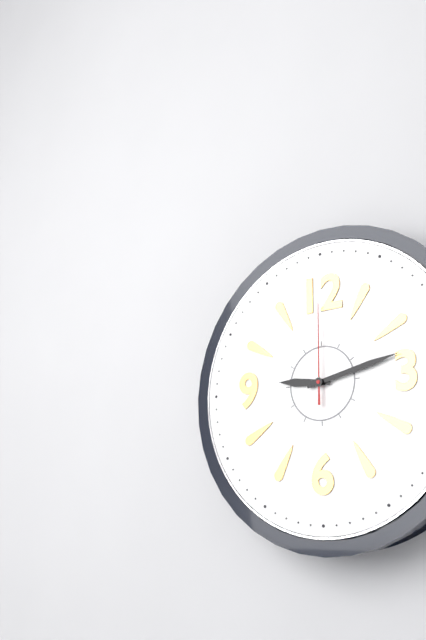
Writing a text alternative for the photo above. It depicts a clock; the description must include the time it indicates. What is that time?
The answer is 9:13:00
